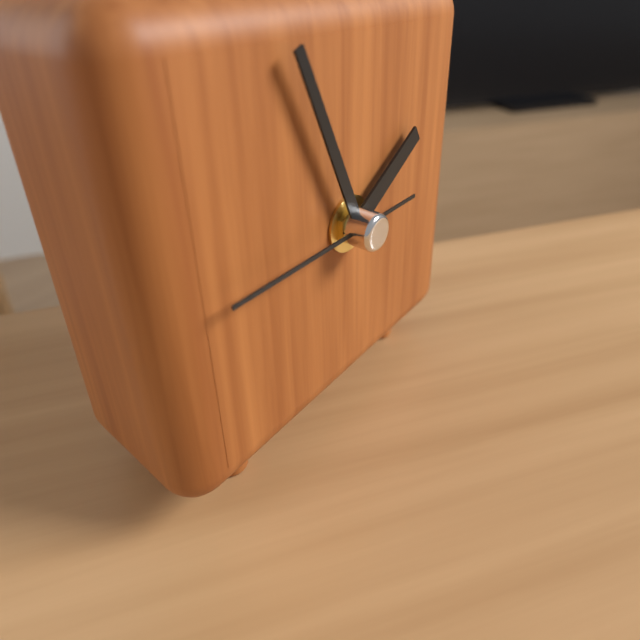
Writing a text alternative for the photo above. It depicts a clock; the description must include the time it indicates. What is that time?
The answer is 1:56:45
